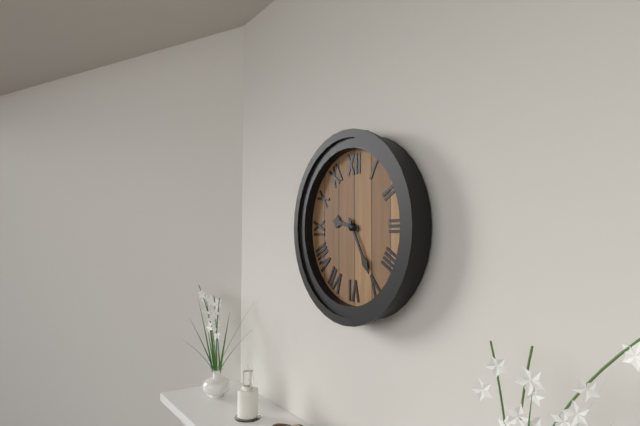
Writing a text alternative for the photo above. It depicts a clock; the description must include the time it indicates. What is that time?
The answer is 9:25
